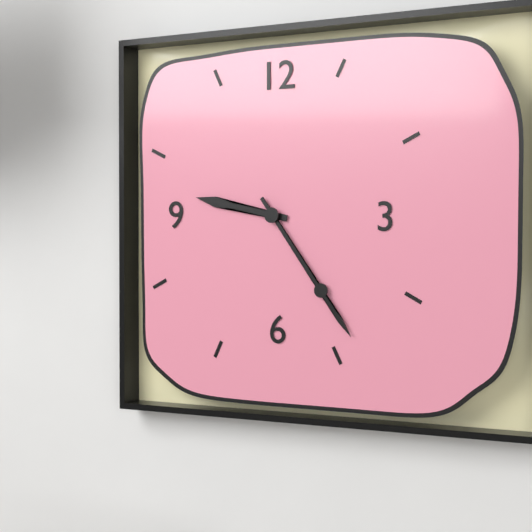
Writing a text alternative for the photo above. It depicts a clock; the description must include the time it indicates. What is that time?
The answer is 9:24
